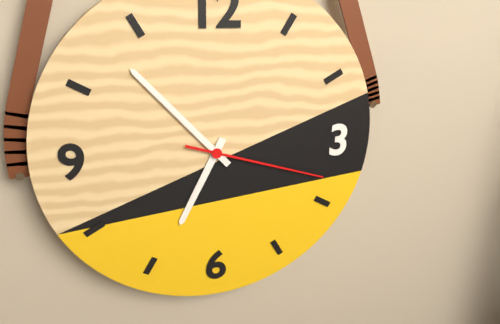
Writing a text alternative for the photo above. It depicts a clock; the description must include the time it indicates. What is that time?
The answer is 6:53:18
